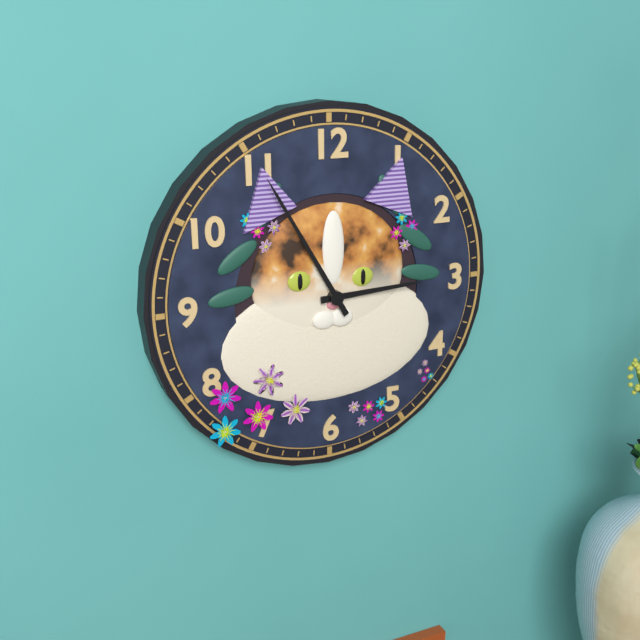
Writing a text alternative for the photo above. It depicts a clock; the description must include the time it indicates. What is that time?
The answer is 2:55
